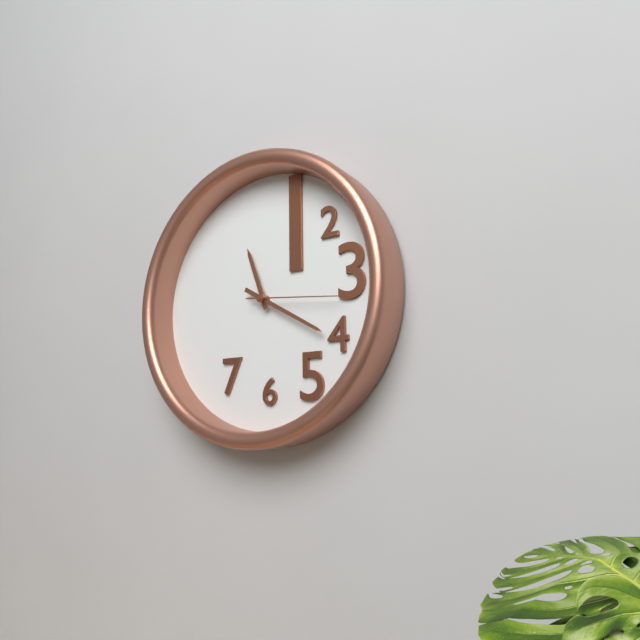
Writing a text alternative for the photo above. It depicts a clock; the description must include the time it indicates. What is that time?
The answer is 11:20:16
